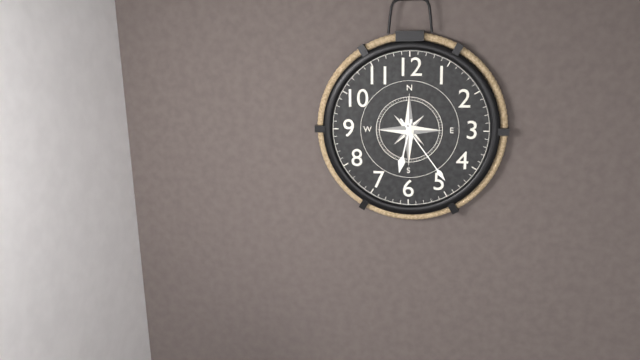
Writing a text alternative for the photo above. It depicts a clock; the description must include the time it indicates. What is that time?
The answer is 6:24
